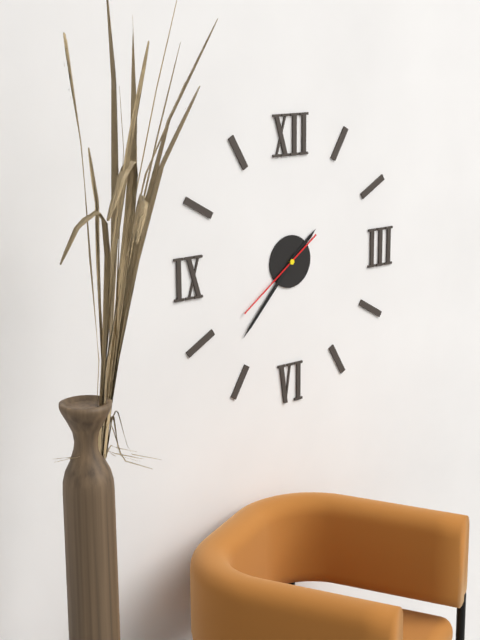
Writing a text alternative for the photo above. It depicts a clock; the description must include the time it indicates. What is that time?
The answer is 1:37:39
